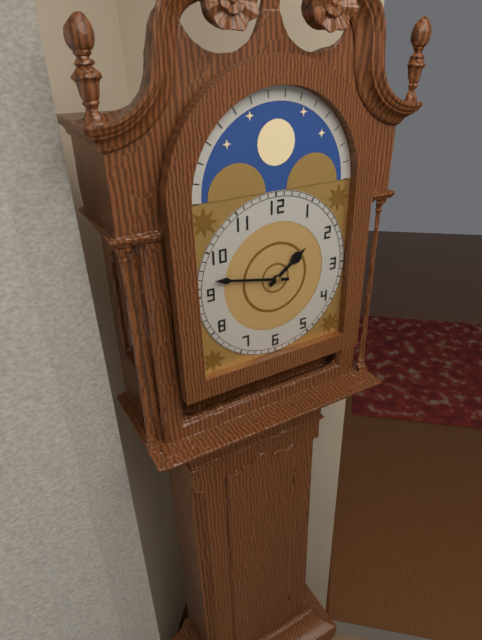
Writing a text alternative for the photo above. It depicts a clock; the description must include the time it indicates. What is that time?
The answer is 1:47
